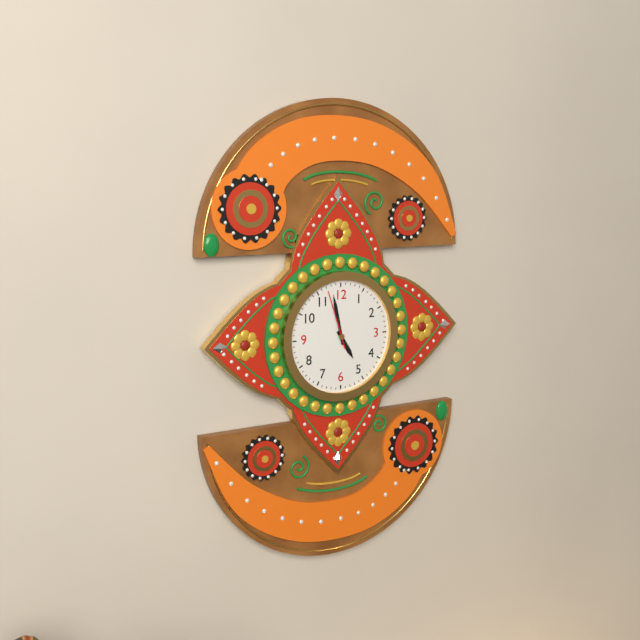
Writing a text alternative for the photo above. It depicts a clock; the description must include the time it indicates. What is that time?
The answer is 4:58:57
